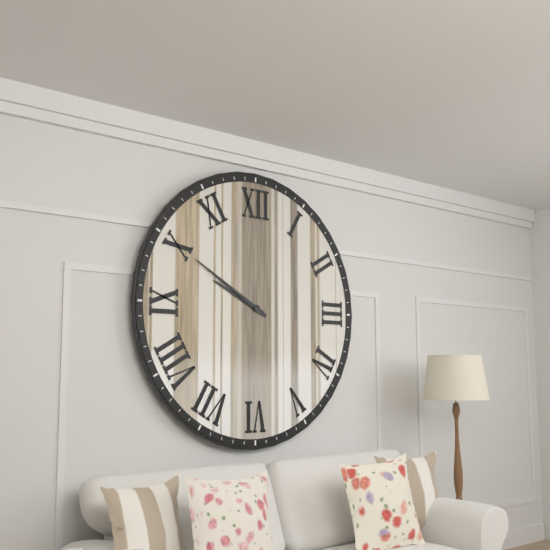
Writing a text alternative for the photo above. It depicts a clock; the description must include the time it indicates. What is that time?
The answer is 9:50
